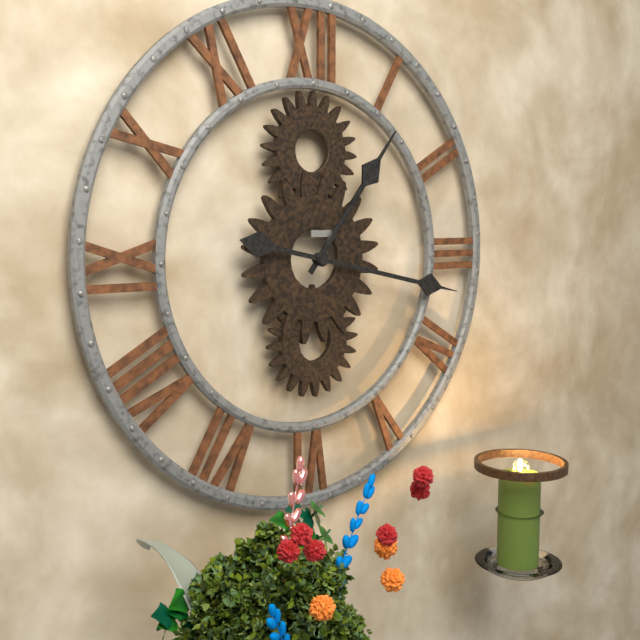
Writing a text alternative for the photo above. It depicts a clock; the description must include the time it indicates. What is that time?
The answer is 1:17
